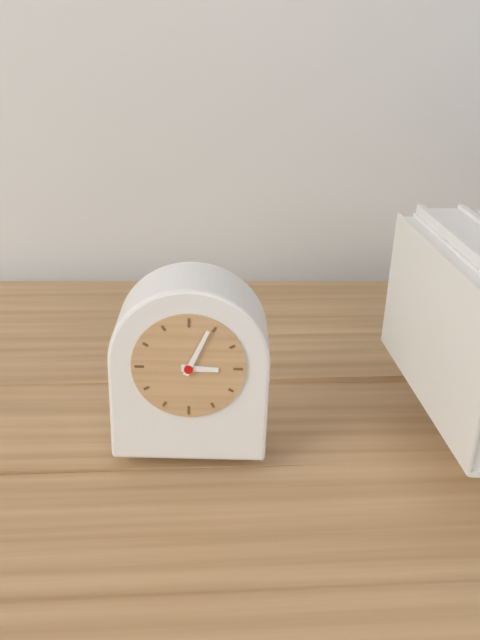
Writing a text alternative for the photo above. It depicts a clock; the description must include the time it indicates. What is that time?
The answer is 3:04
